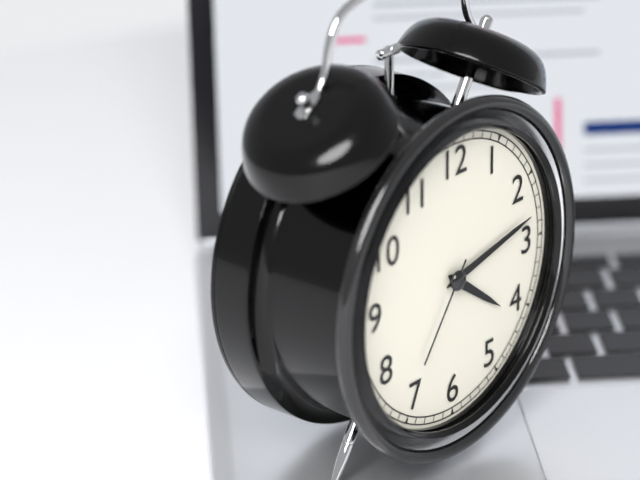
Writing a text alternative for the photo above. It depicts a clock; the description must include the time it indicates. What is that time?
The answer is 4:13:36
